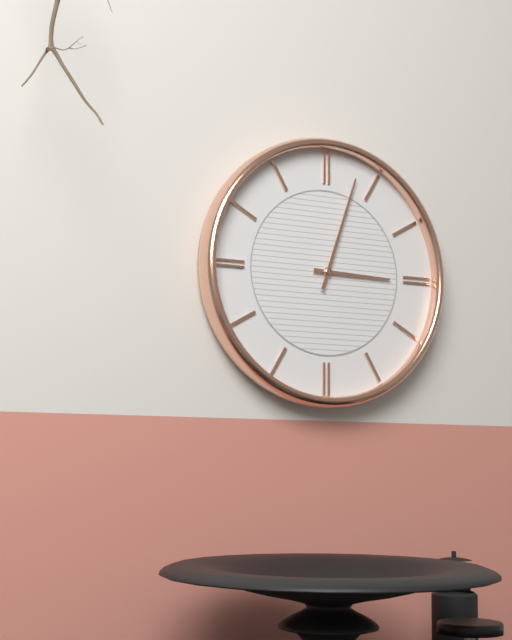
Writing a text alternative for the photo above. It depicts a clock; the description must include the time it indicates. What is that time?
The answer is 3:03
